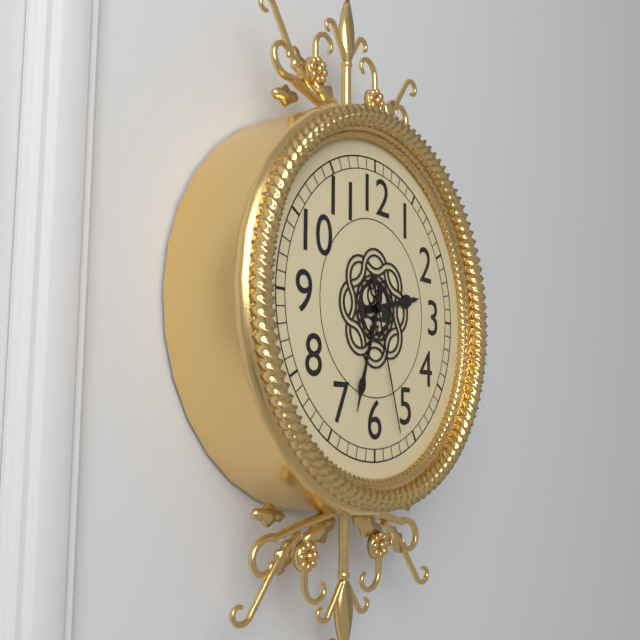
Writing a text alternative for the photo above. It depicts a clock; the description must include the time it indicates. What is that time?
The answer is 2:33:27
